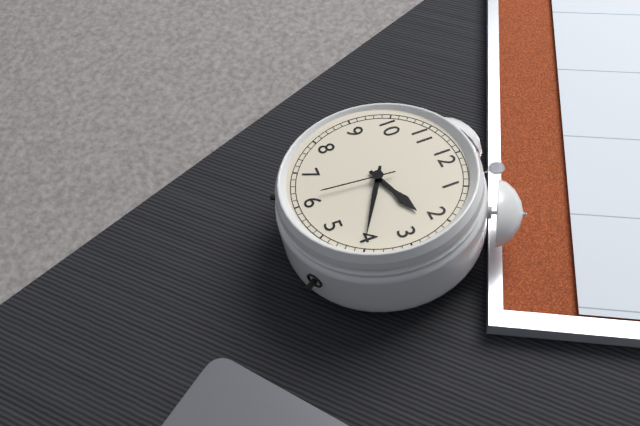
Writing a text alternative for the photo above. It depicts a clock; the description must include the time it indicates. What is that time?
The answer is 2:20:31
